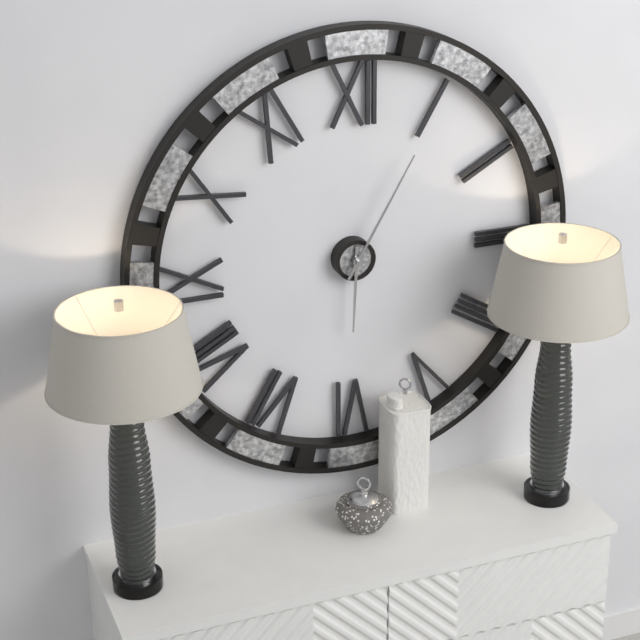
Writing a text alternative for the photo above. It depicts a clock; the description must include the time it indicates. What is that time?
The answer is 6:05
